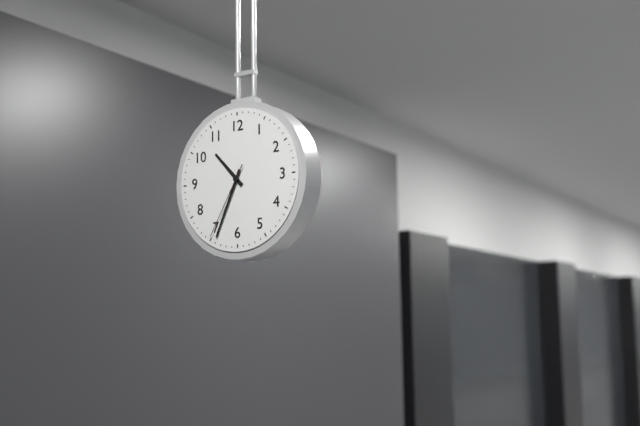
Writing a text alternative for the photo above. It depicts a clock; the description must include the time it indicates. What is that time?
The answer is 10:34:35
